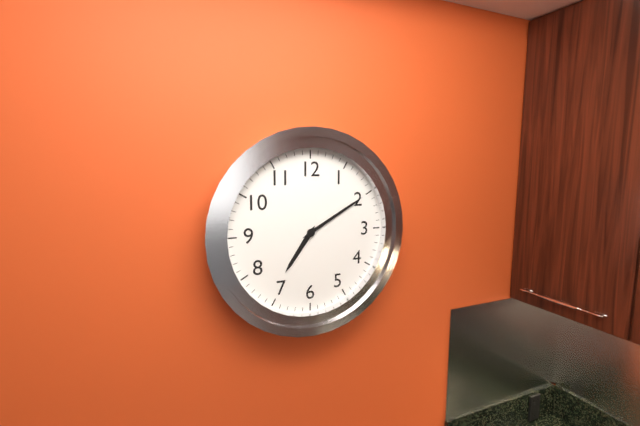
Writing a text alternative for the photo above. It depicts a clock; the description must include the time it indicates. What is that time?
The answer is 7:10
